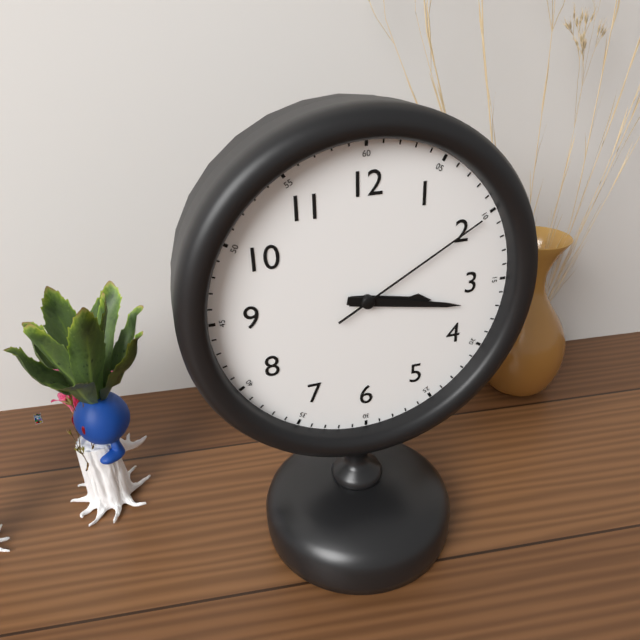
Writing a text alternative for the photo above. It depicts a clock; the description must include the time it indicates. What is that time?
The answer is 3:17:10
